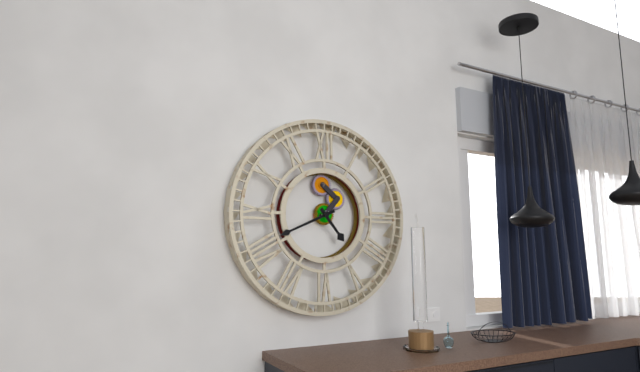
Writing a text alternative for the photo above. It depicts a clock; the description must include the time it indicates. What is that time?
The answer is 4:41
